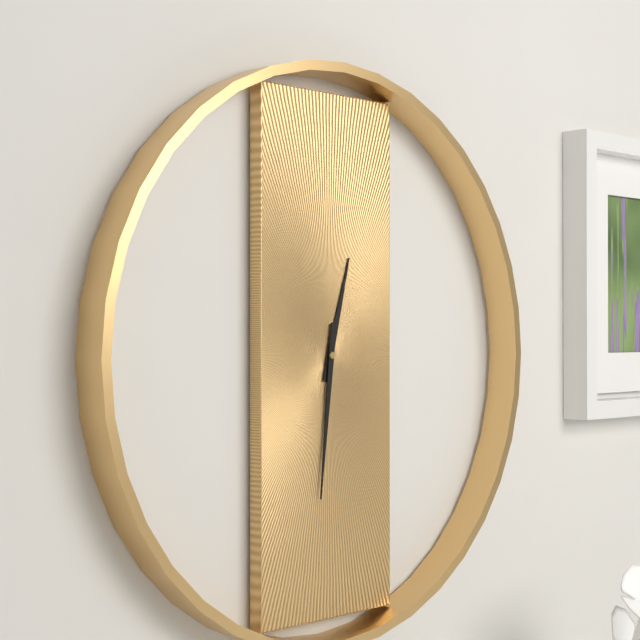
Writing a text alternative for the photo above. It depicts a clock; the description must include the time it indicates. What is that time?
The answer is 12:31
